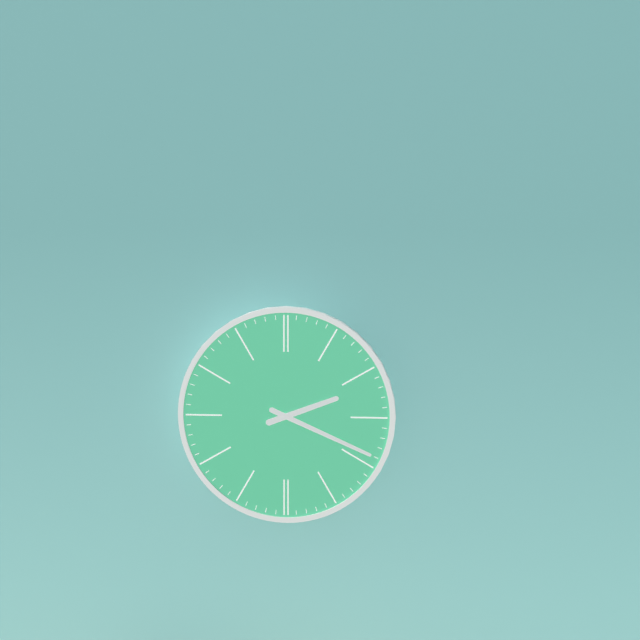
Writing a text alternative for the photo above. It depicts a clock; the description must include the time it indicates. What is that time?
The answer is 2:19
